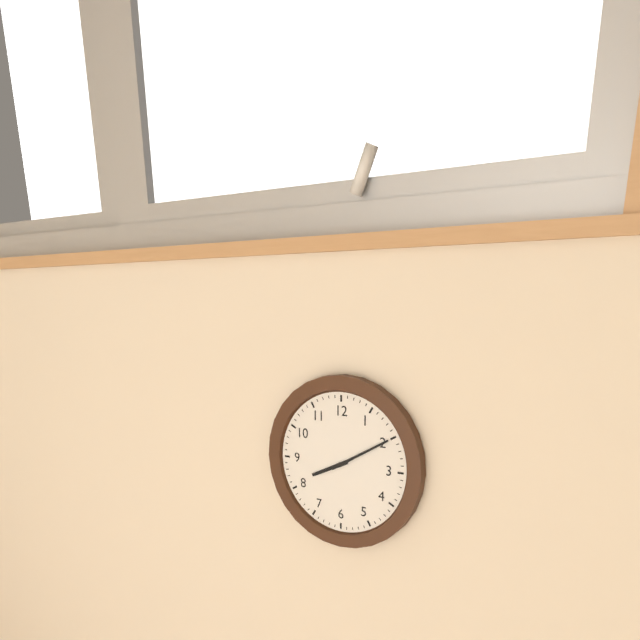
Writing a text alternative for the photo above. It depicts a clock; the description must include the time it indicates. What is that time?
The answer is 8:10
